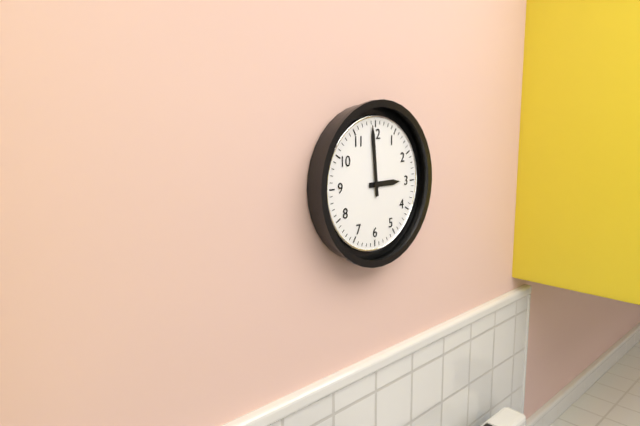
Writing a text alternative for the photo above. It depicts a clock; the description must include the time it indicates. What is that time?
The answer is 2:59
